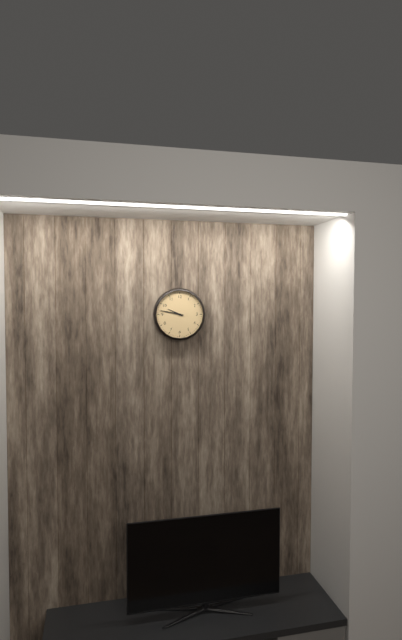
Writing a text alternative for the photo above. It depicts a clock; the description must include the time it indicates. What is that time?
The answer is 9:47
